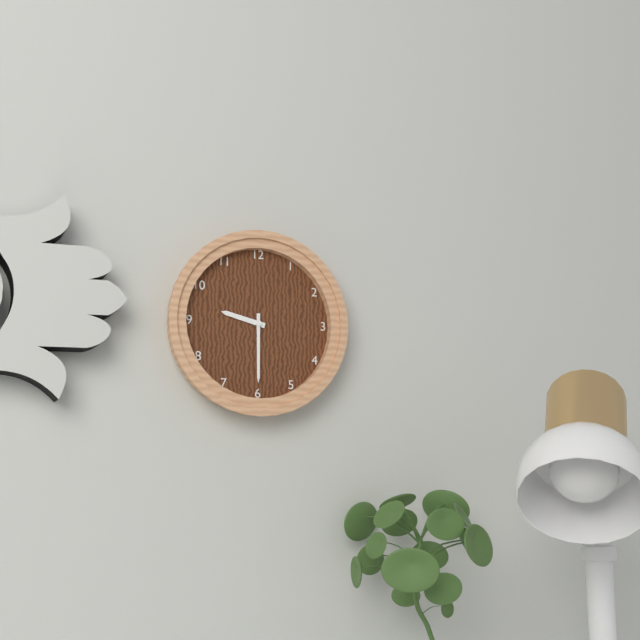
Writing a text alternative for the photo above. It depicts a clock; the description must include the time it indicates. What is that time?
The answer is 9:30
